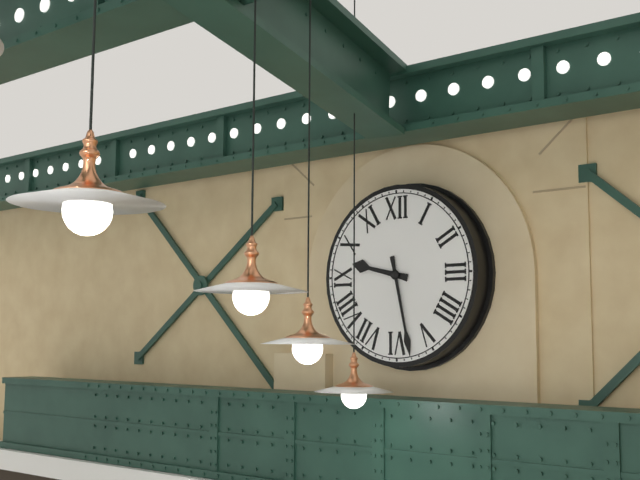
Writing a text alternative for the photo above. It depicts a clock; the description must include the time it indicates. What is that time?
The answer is 9:28
